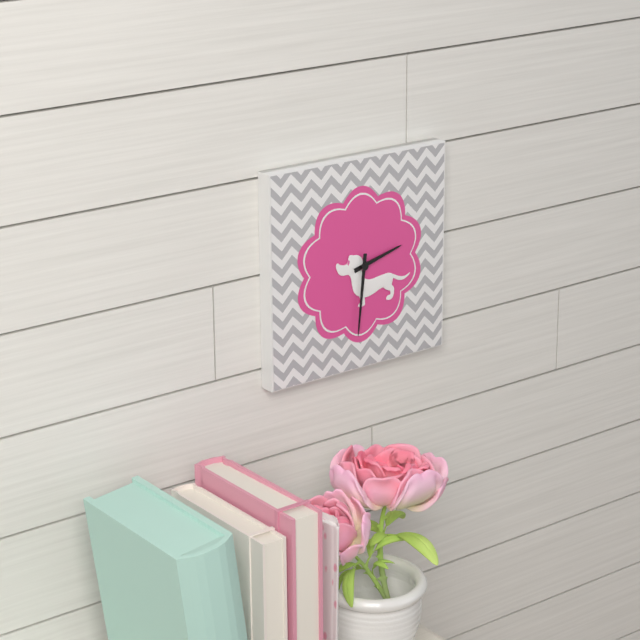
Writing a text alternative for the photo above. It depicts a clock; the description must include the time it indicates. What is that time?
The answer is 2:31
